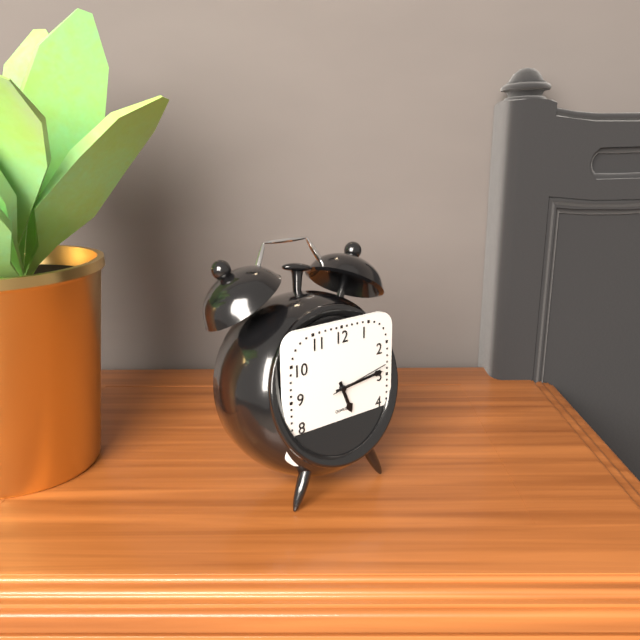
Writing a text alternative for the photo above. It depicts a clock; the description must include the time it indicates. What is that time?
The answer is 5:14:13
